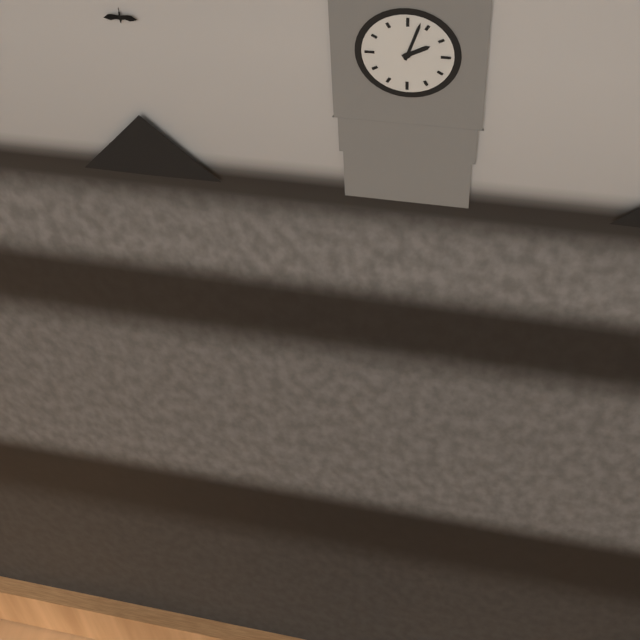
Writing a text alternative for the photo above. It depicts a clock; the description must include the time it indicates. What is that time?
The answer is 2:03
